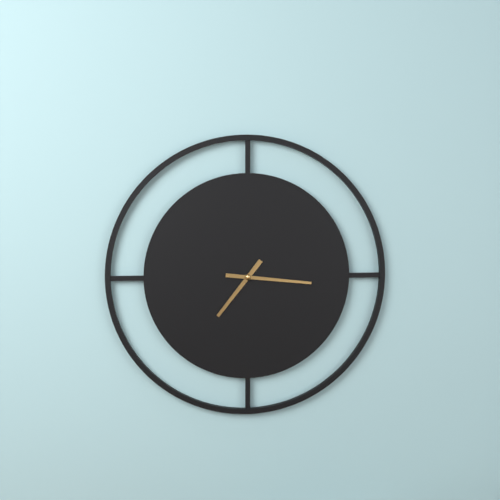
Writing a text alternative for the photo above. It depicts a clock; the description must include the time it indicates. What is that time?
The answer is 7:16
